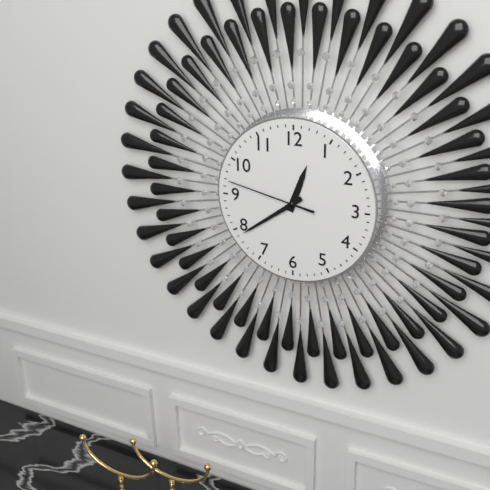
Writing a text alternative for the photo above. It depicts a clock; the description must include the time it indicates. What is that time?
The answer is 12:39:47
